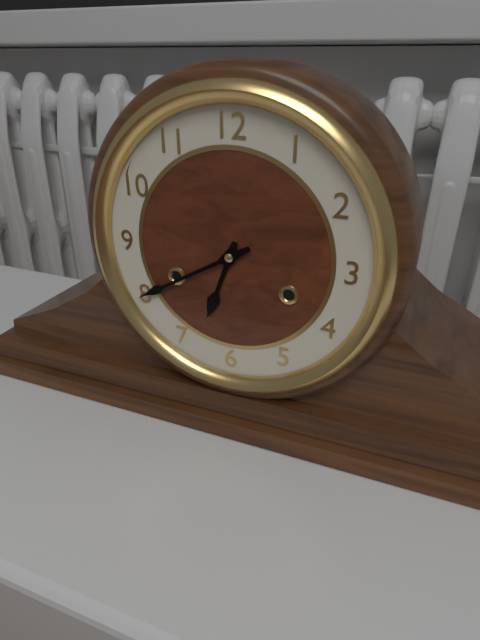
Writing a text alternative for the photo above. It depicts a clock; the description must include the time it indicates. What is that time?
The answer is 6:40
